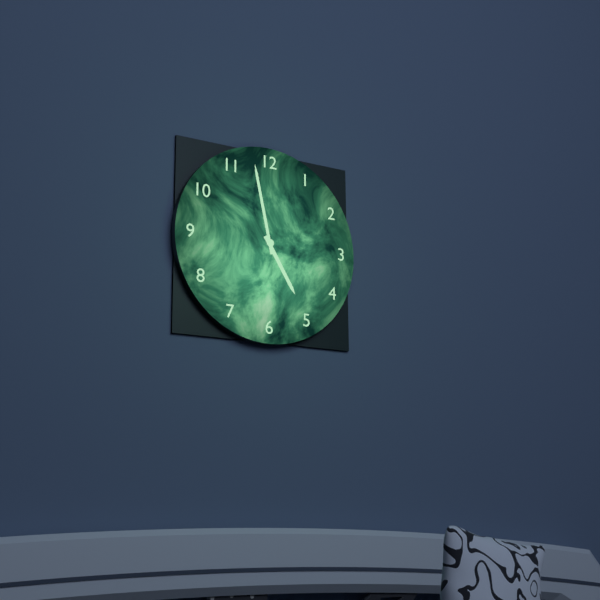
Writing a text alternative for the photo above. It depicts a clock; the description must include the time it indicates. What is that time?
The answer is 4:58
